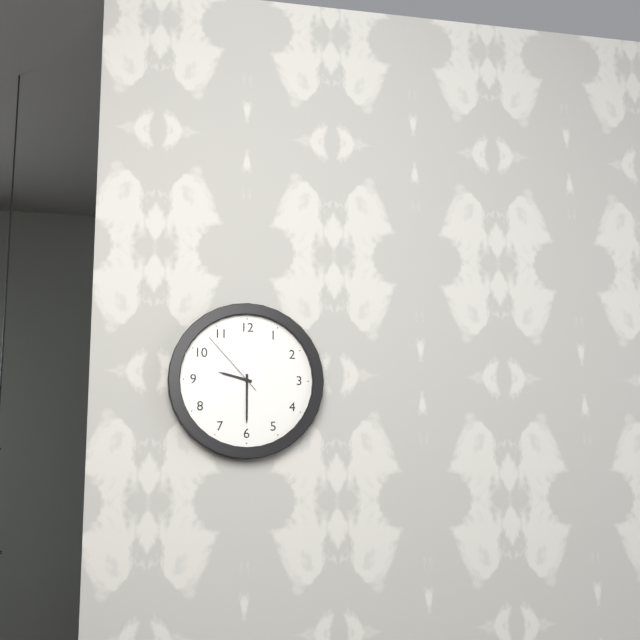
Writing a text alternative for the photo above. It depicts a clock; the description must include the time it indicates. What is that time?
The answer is 9:30:53
